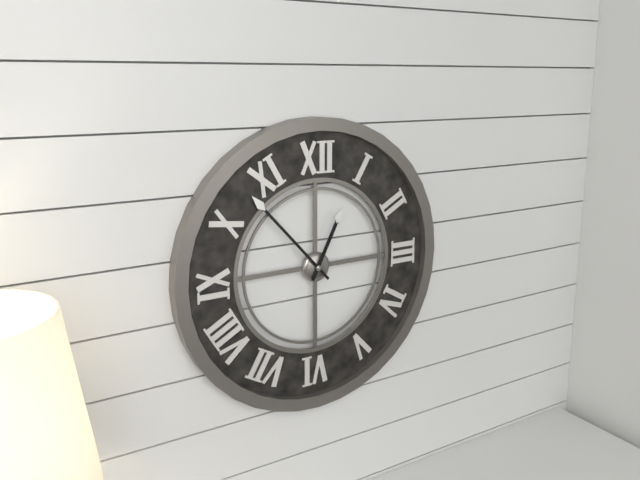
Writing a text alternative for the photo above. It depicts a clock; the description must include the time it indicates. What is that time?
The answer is 12:53
